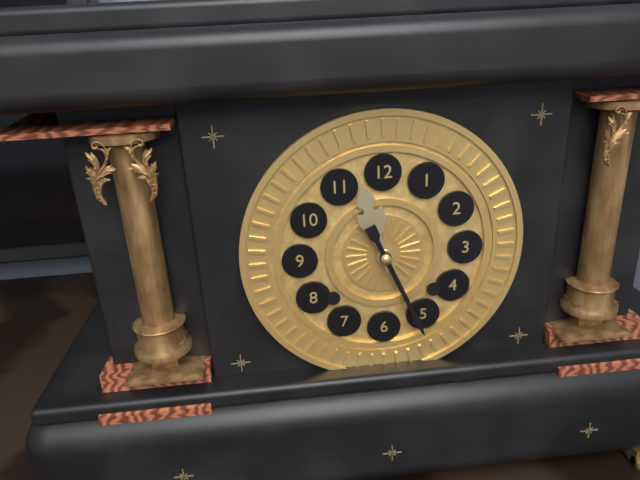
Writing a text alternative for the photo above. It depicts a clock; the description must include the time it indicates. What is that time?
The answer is 11:26
